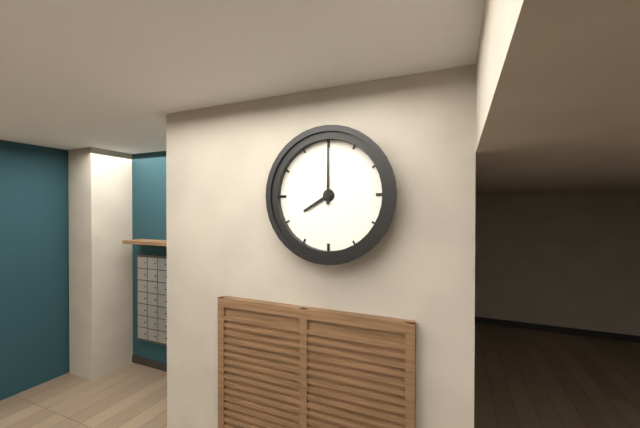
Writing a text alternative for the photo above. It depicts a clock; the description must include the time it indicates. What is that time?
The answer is 8:00
